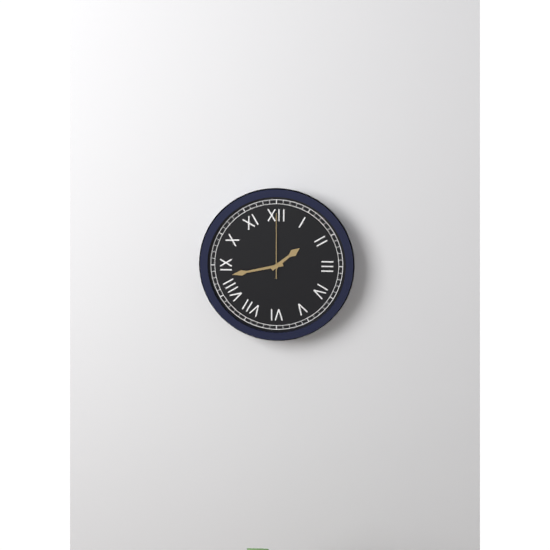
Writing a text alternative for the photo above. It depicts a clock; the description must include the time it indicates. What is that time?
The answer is 1:43:00
